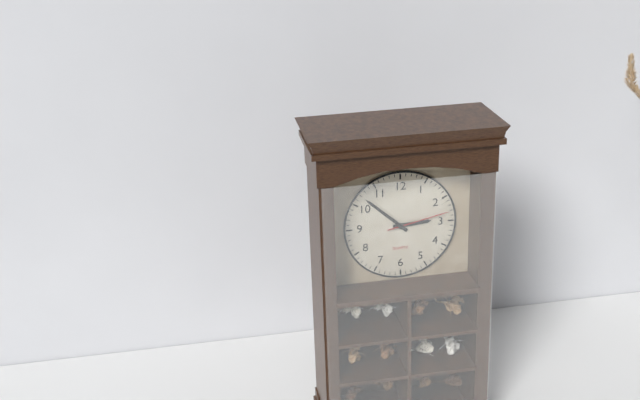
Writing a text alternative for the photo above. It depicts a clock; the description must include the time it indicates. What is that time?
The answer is 2:52:13
